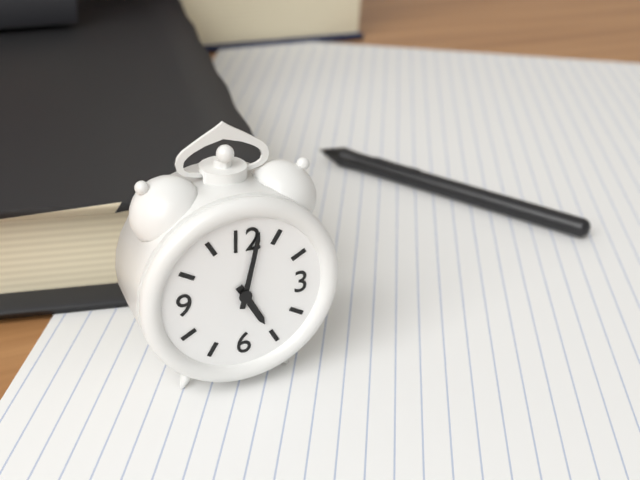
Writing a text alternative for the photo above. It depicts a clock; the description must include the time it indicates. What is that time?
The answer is 5:02
